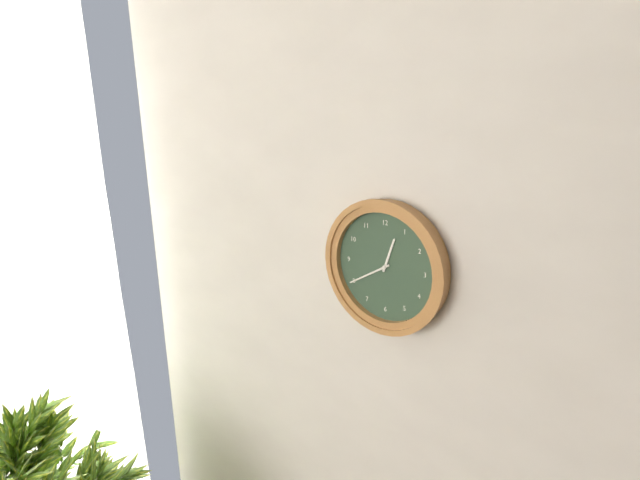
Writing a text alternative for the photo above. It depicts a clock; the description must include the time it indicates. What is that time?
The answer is 12:40
